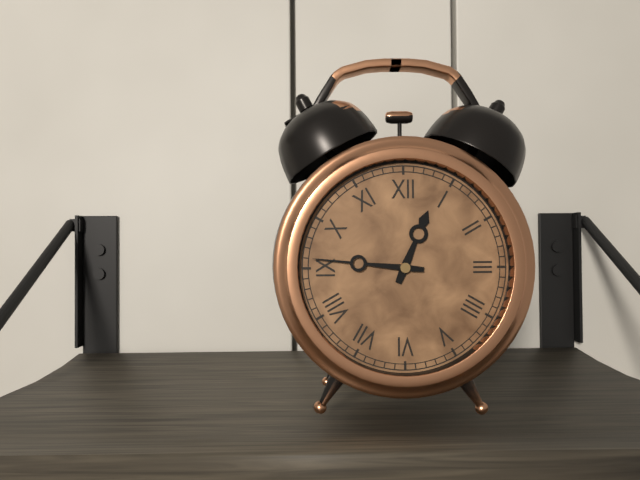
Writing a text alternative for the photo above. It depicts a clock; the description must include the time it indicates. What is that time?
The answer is 12:46
